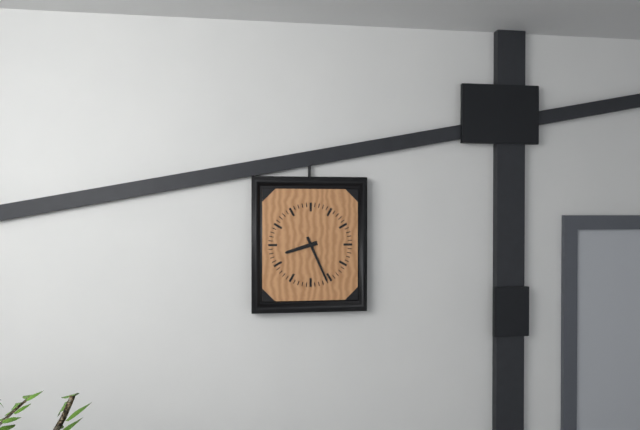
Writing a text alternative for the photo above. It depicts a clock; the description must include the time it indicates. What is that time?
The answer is 8:26
